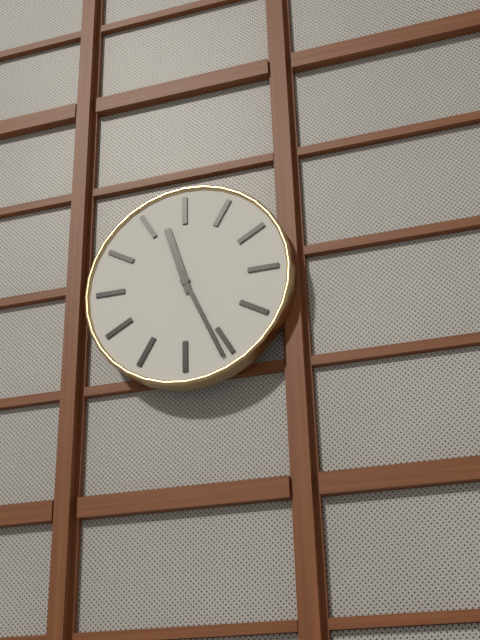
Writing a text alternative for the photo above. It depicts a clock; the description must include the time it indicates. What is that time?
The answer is 11:26
